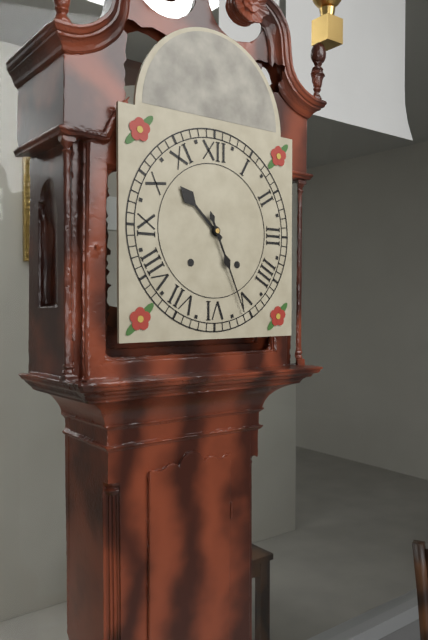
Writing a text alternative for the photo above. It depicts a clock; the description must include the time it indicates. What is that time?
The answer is 10:26
